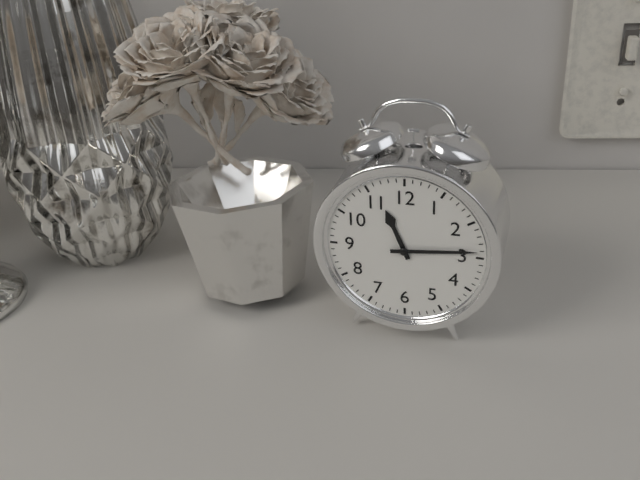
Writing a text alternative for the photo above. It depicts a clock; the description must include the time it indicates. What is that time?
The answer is 11:14
